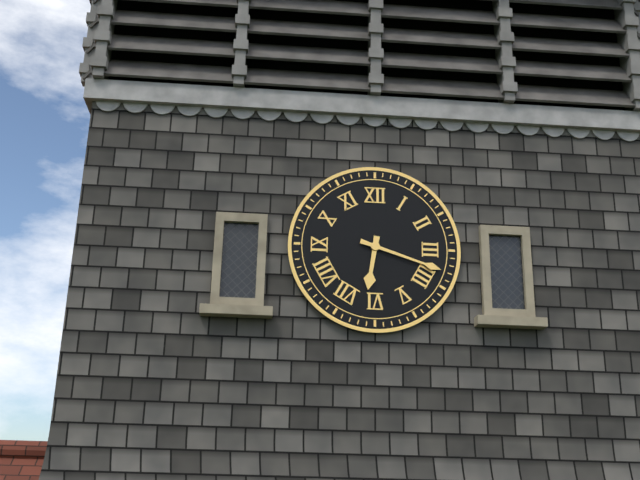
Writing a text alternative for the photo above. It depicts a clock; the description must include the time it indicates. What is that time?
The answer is 6:18
